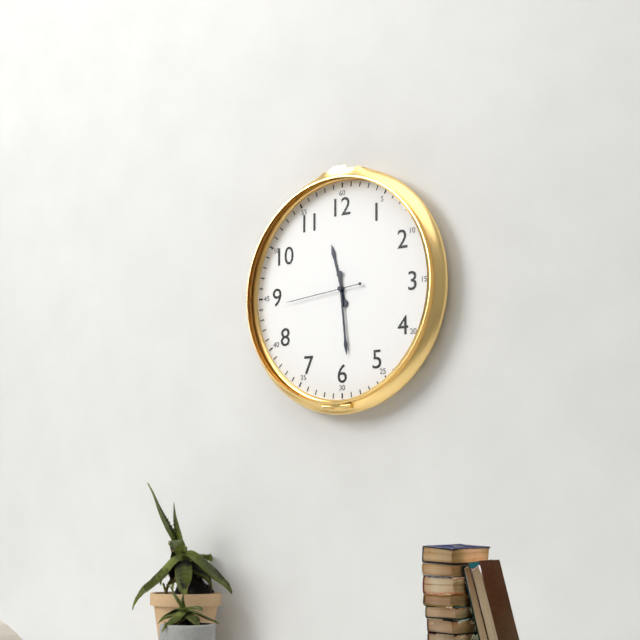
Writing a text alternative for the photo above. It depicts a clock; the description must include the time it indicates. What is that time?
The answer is 11:29:44
